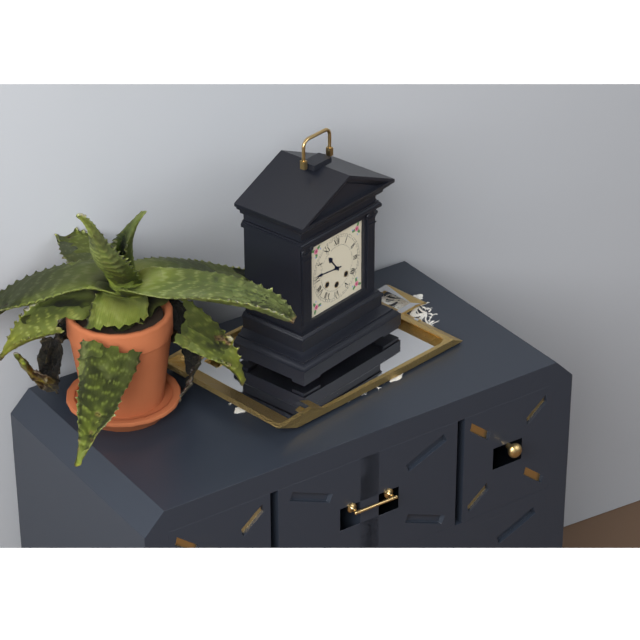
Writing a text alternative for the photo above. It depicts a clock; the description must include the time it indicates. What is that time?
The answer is 10:46
